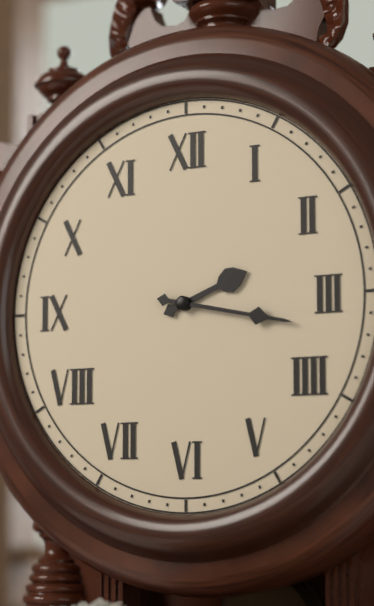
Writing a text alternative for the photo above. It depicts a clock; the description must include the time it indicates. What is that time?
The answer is 2:17
